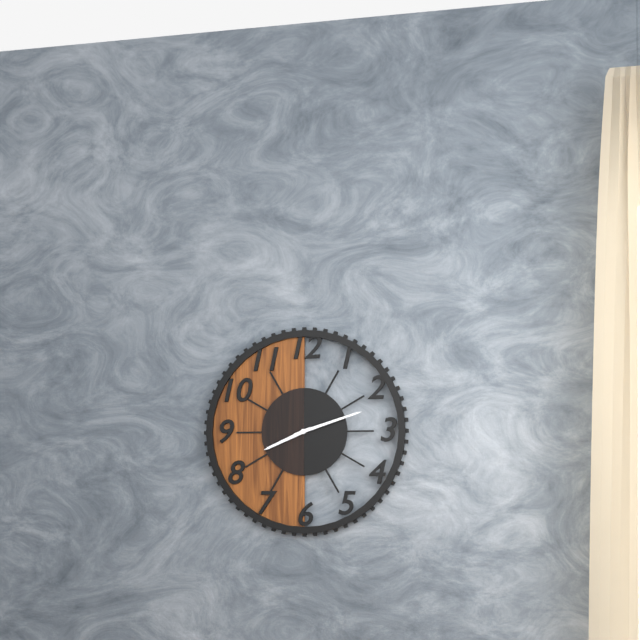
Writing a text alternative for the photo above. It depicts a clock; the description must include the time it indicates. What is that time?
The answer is 8:12
